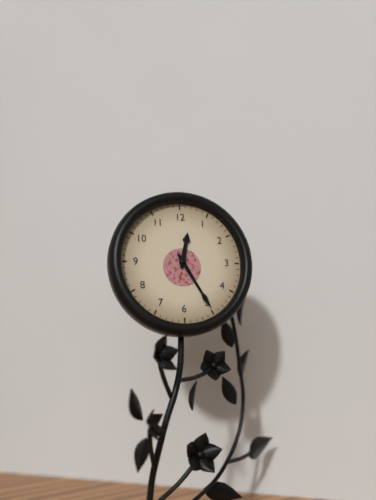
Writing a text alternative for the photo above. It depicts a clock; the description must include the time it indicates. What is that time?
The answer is 12:25
